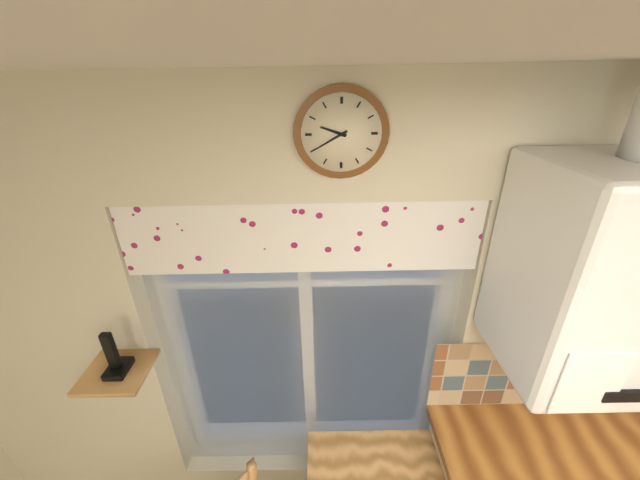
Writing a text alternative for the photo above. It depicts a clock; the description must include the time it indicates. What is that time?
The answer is 9:40
